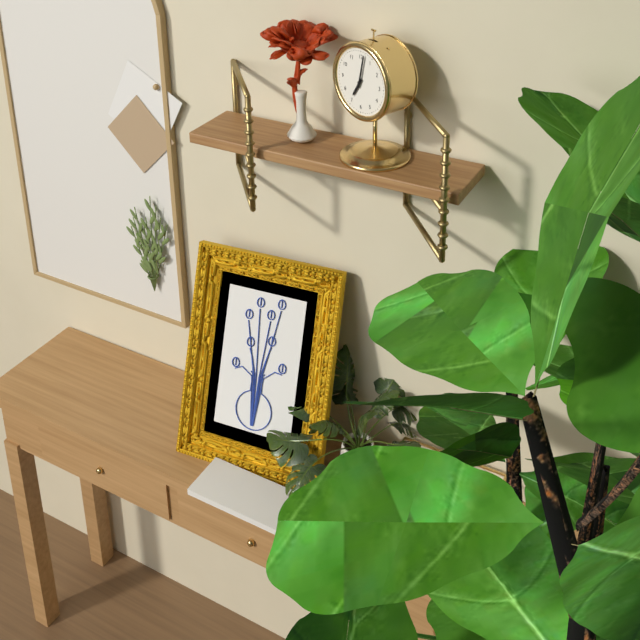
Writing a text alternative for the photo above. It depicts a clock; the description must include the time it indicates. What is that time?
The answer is 7:02
